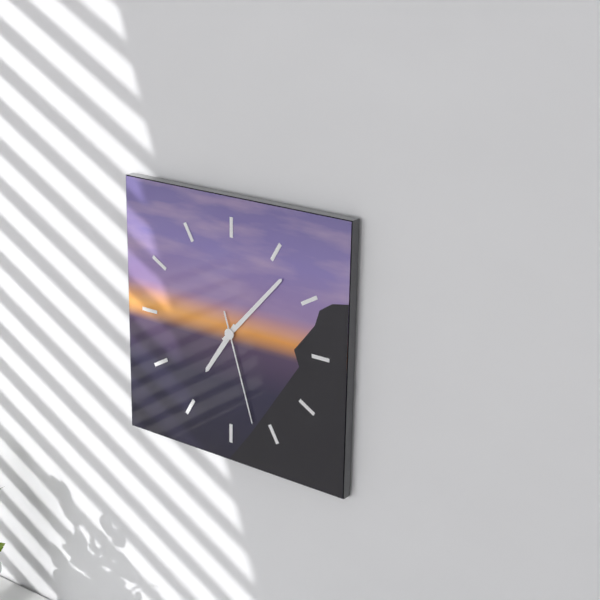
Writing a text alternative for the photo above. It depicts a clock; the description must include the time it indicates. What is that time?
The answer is 7:07:27
